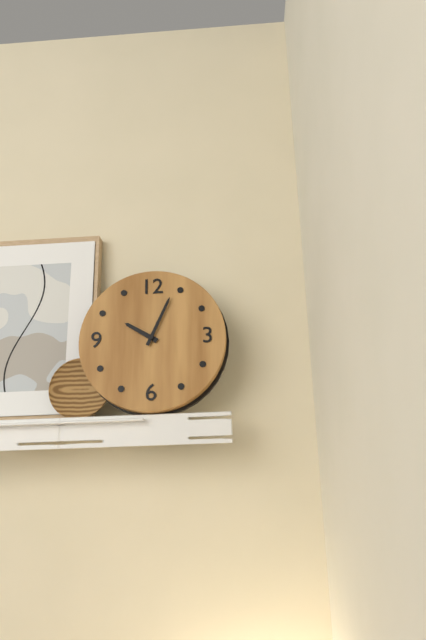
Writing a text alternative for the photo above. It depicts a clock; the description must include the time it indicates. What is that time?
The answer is 10:04
